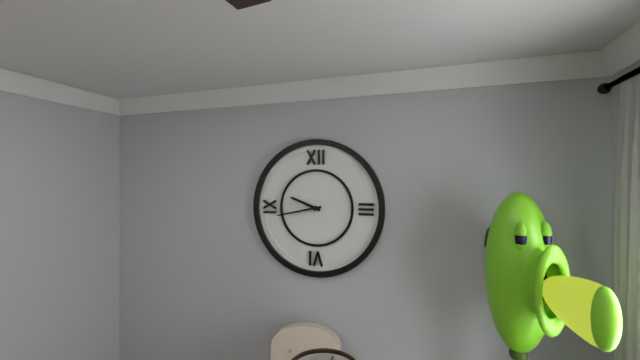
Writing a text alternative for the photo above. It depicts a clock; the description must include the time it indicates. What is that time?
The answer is 9:43
